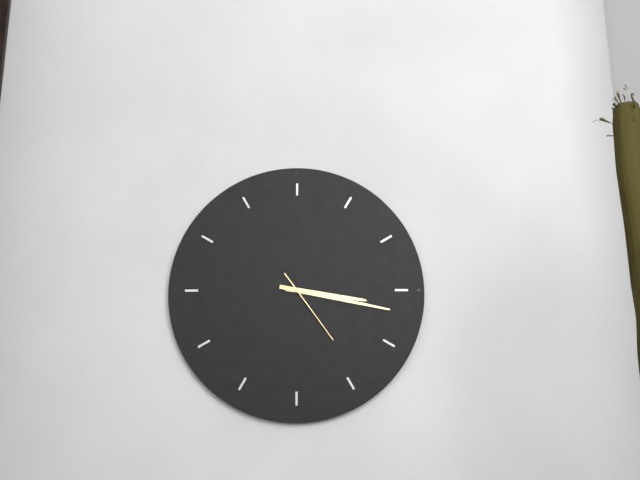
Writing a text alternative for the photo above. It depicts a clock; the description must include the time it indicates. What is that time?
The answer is 3:17:24
